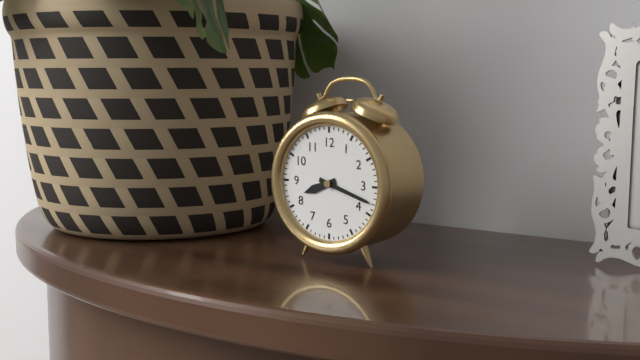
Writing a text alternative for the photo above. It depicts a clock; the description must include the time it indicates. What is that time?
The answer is 8:18
